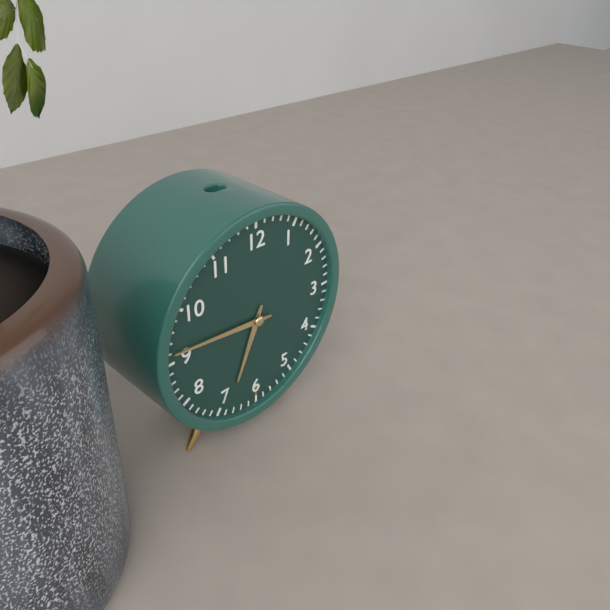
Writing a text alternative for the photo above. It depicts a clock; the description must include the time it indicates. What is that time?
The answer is 6:46
